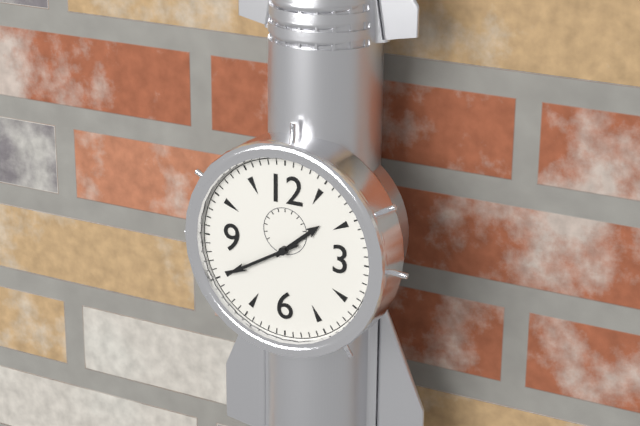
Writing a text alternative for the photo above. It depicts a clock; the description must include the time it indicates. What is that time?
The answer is 1:40
